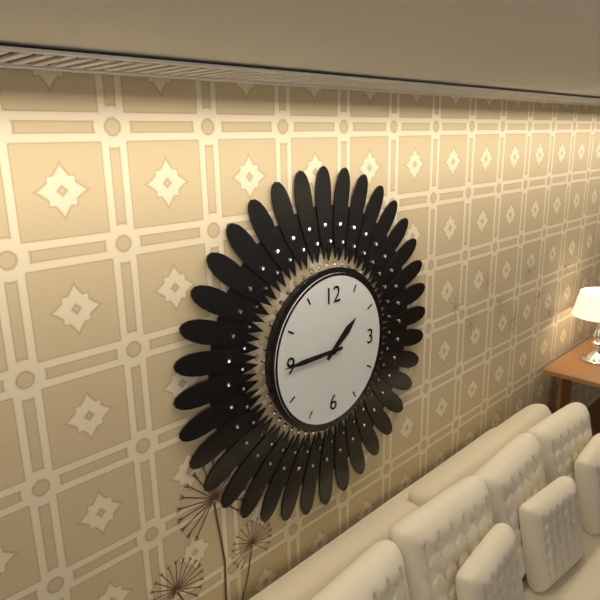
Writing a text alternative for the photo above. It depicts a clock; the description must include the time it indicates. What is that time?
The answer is 1:45
